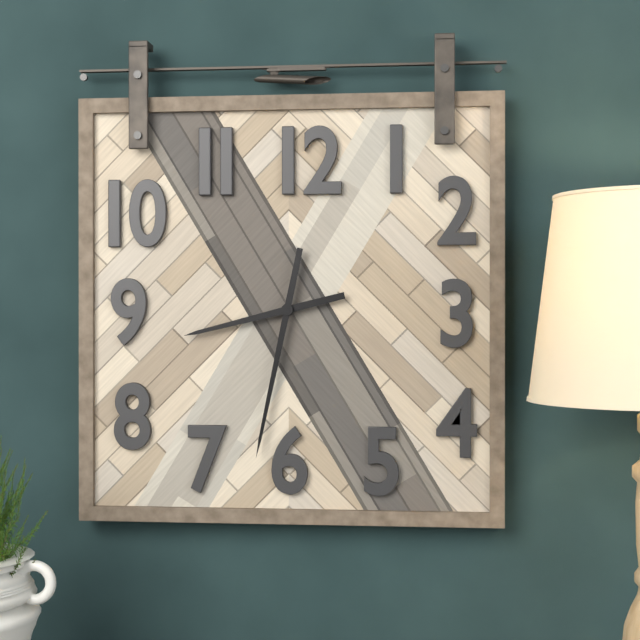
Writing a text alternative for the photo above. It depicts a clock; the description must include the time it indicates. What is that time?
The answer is 8:32
